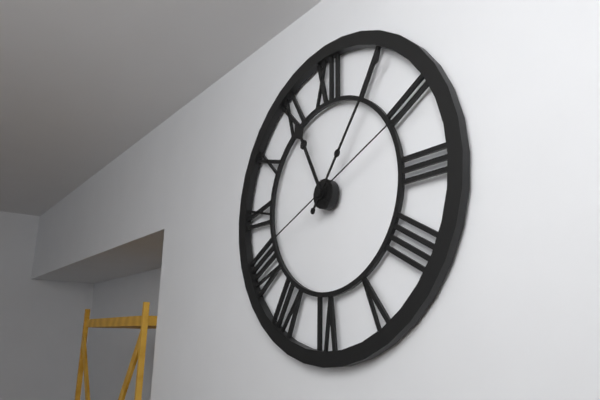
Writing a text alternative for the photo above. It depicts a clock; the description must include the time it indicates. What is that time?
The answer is 11:06:11
